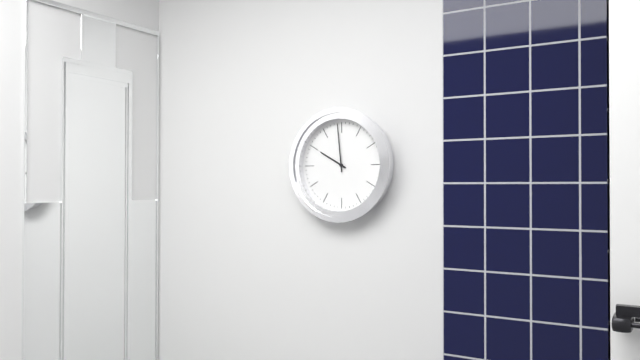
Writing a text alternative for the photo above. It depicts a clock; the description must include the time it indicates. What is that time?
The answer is 9:59
